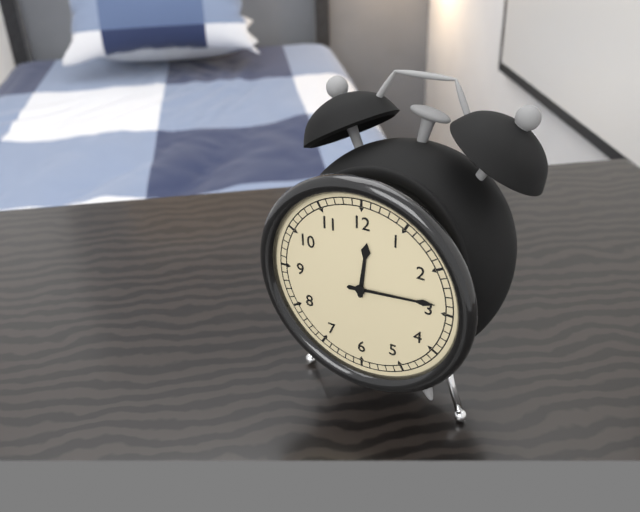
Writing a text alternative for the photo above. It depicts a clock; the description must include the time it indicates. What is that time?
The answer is 12:14
